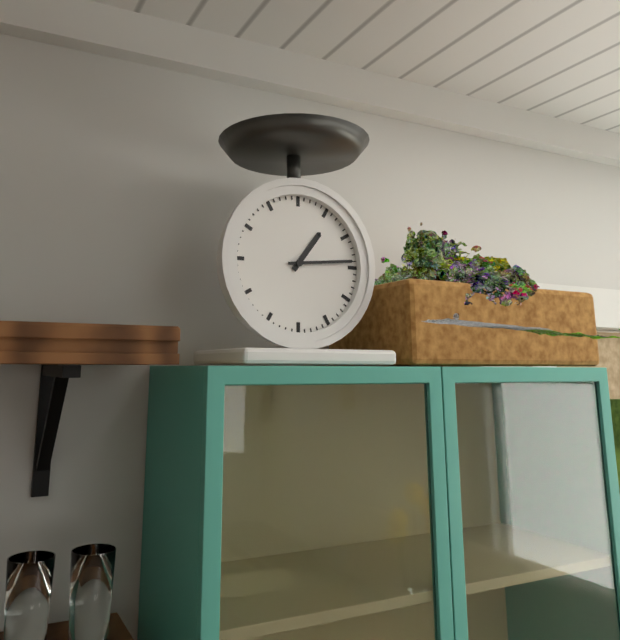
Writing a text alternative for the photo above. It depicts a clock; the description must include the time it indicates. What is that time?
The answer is 1:14
